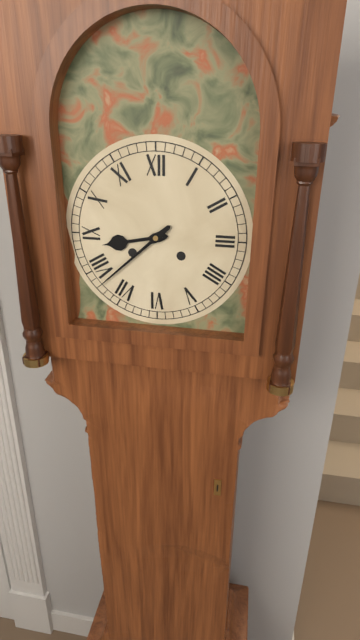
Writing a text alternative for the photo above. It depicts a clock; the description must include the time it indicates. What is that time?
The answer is 8:38
